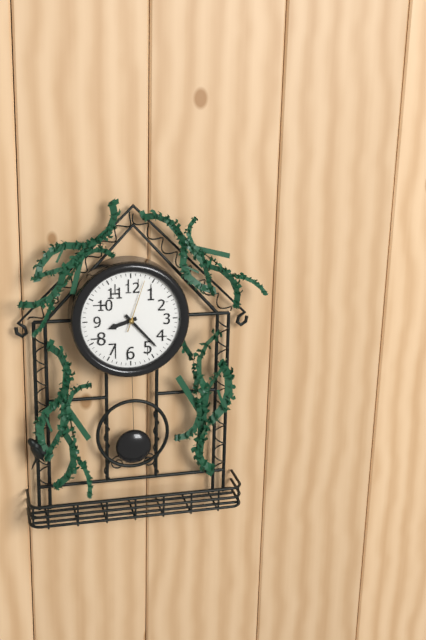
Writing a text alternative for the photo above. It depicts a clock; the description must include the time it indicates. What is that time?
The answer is 8:23:03
